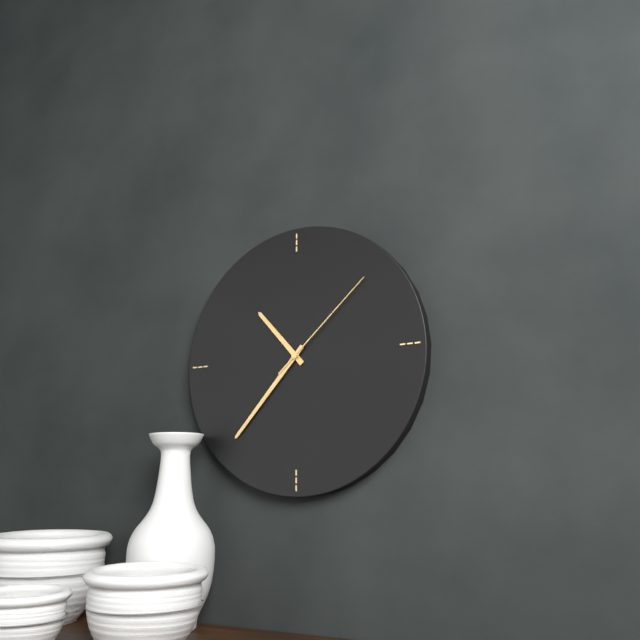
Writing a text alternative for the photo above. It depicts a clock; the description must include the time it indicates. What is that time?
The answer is 10:37:08
